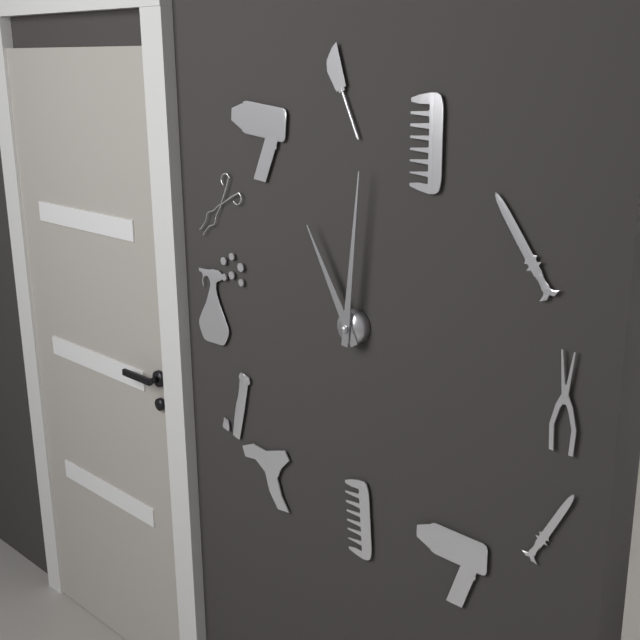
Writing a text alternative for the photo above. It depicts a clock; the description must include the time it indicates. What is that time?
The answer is 11:01
